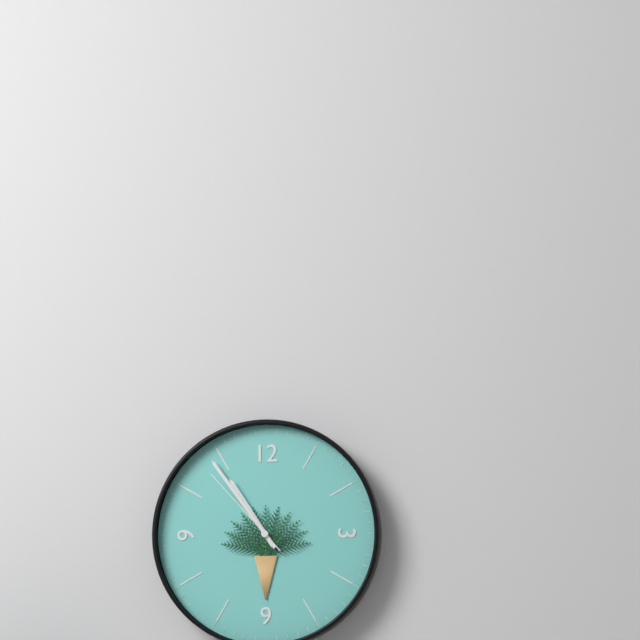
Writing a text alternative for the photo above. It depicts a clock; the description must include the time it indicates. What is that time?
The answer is 10:54:53
